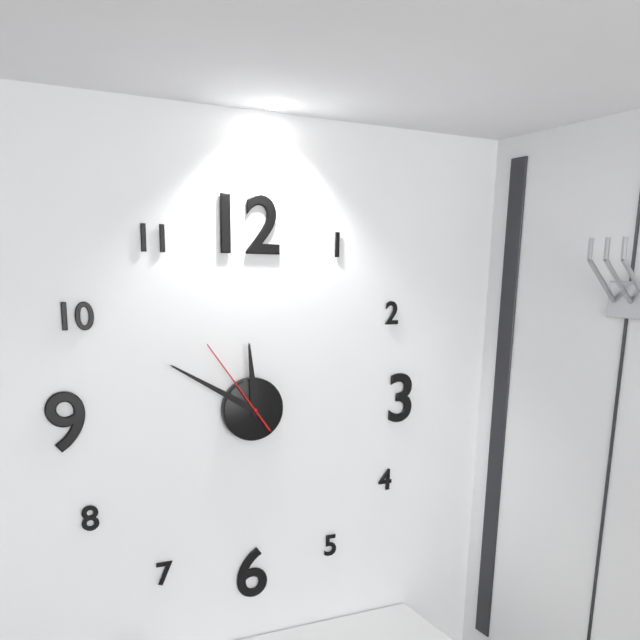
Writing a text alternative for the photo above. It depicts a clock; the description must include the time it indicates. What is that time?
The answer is 11:50:54
